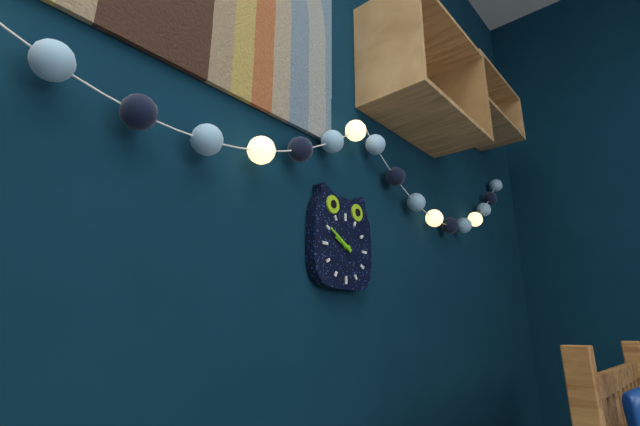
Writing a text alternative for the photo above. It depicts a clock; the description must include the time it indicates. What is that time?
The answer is 9:50
